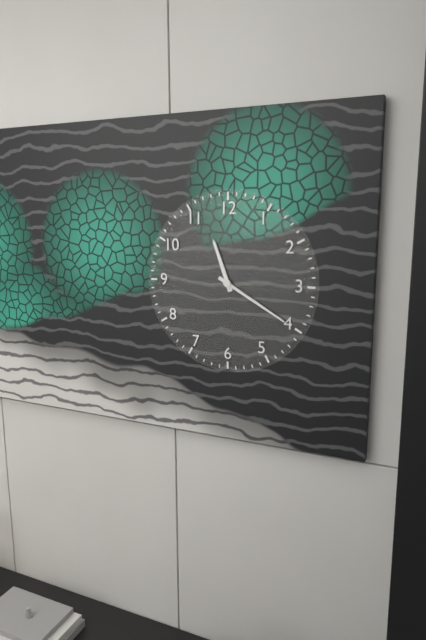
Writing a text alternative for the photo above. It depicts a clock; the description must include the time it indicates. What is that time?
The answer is 11:20
